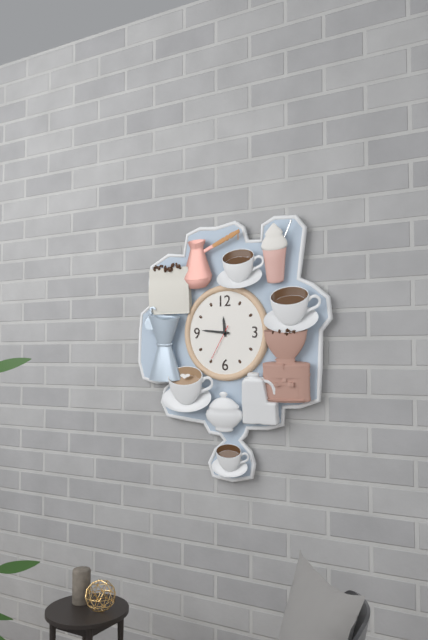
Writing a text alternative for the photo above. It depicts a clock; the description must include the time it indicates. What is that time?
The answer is 11:46
